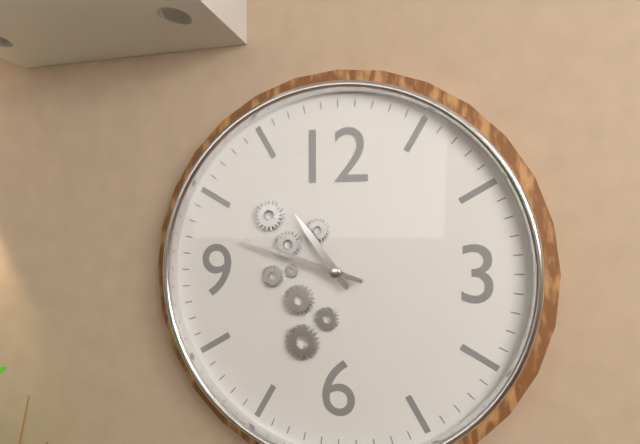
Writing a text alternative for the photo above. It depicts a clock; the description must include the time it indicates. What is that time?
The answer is 10:48
